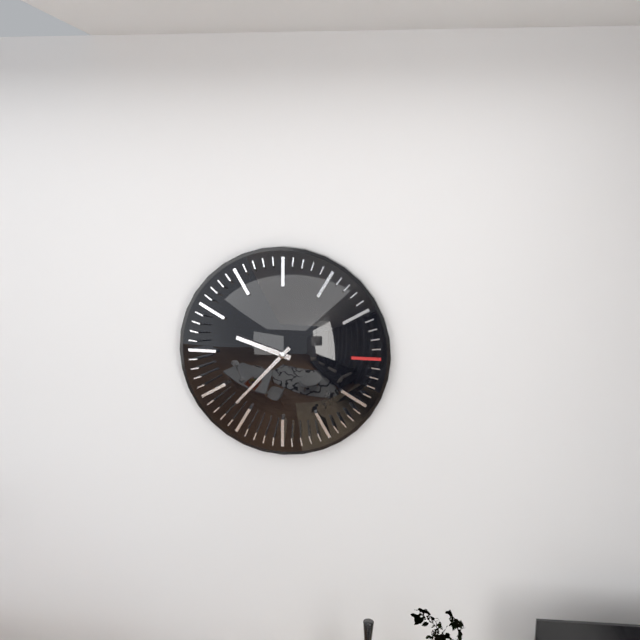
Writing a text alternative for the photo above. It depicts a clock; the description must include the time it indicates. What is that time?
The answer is 9:37
